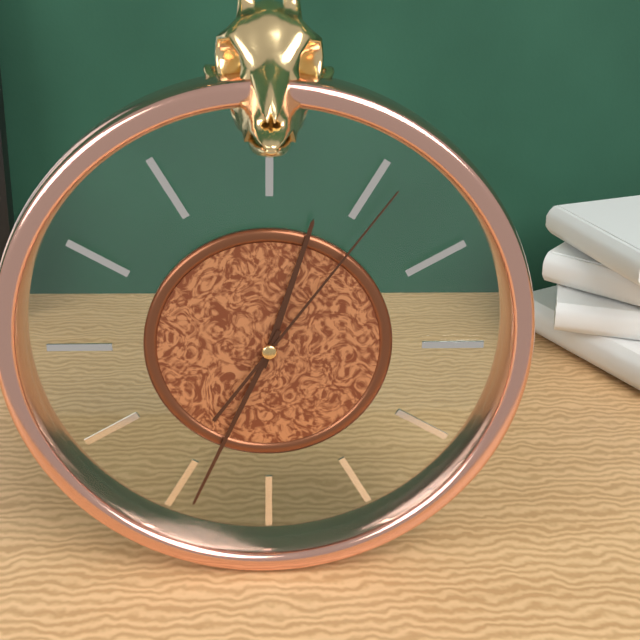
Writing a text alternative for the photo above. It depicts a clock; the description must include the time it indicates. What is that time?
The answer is 12:34:06
